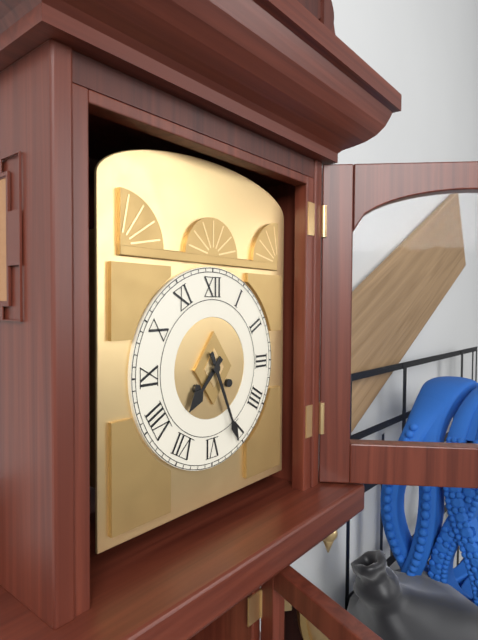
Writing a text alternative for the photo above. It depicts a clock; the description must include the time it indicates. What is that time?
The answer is 7:26
